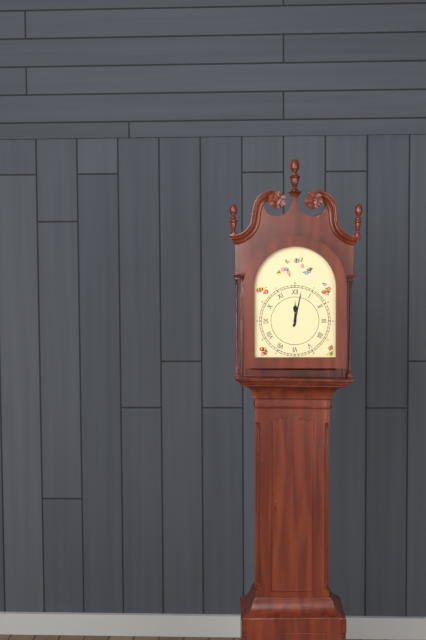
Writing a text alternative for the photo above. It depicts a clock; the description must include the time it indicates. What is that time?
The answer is 12:02
